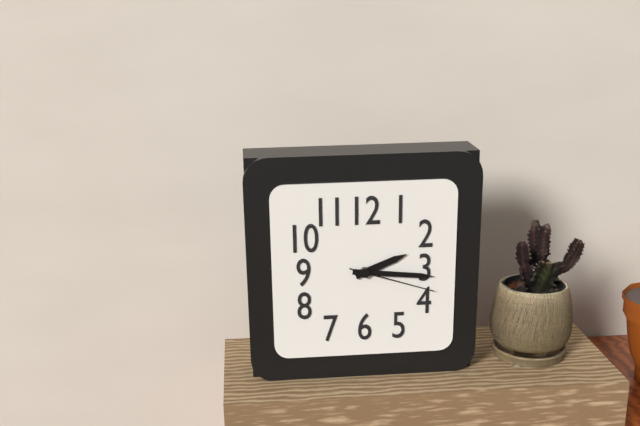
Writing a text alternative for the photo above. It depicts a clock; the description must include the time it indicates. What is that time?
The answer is 2:16:18
